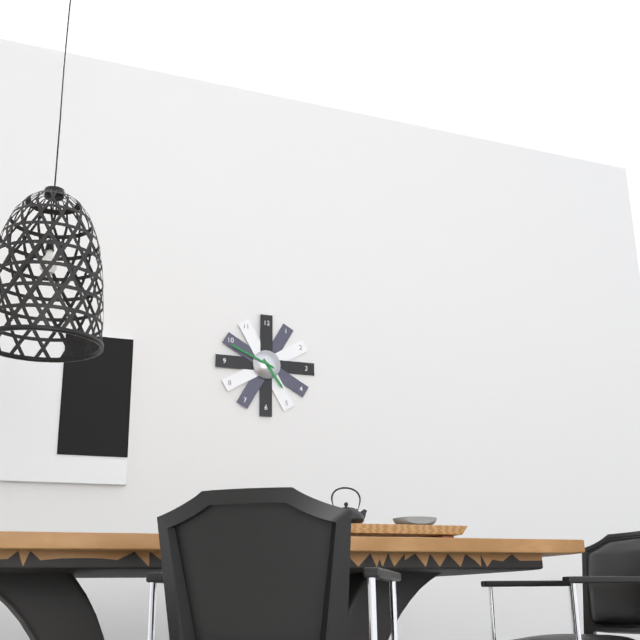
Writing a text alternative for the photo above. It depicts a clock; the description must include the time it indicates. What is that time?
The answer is 4:49
